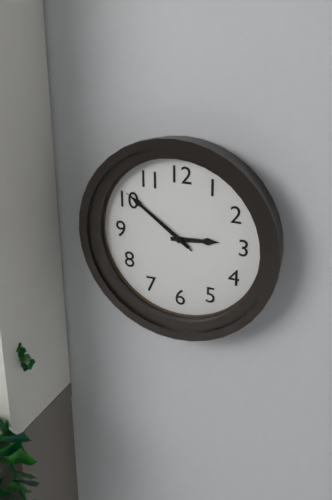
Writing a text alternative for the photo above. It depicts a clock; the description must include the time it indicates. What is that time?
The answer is 2:51:51
